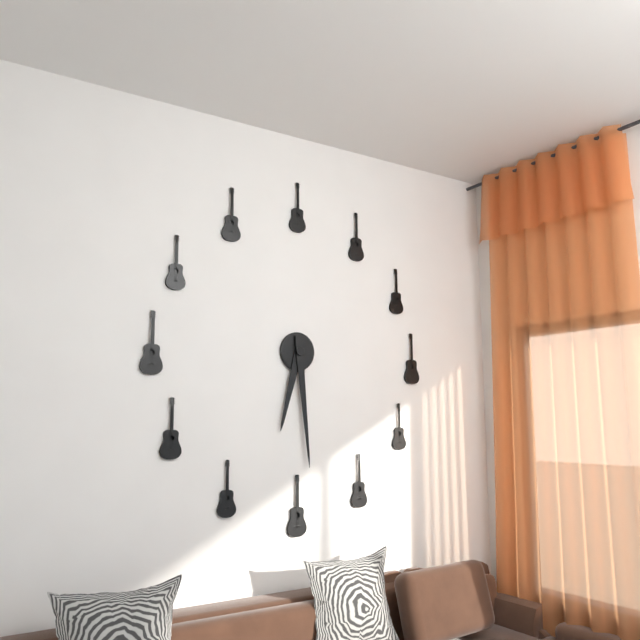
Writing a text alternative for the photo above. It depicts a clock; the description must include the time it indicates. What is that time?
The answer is 6:29
